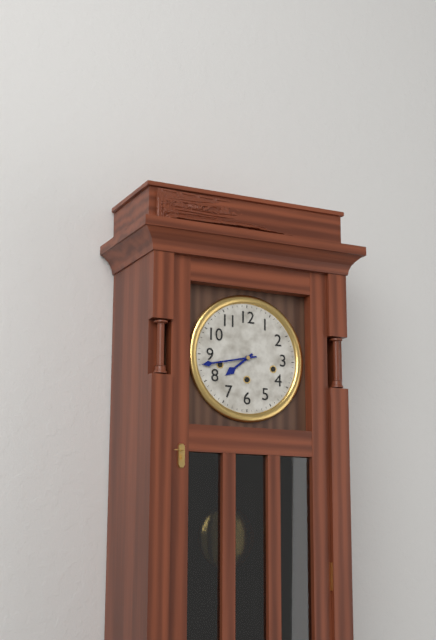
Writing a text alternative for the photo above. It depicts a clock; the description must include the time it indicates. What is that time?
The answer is 7:43
